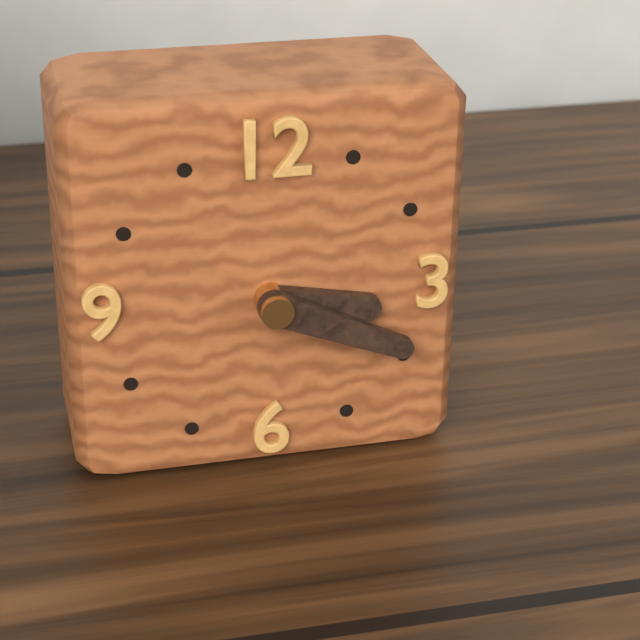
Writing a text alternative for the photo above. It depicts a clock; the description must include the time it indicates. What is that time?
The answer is 3:19
